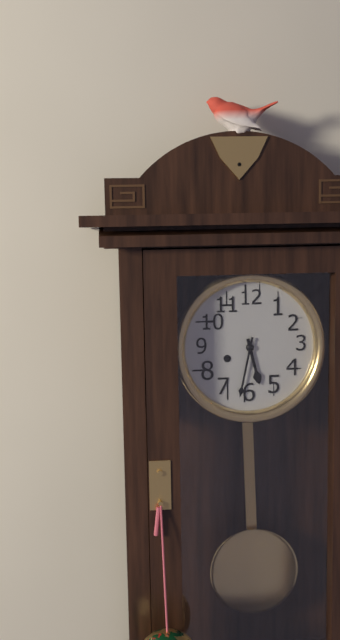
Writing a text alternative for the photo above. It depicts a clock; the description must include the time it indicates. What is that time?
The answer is 5:32
